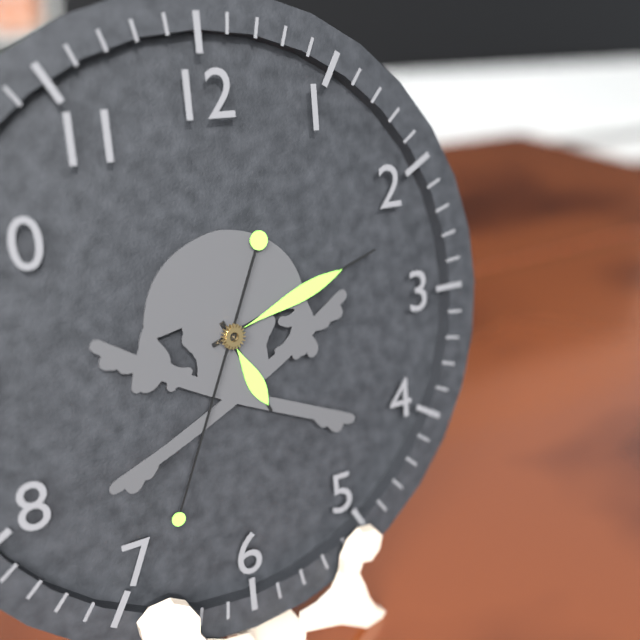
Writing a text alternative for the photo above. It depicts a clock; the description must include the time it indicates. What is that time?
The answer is 5:12:34
